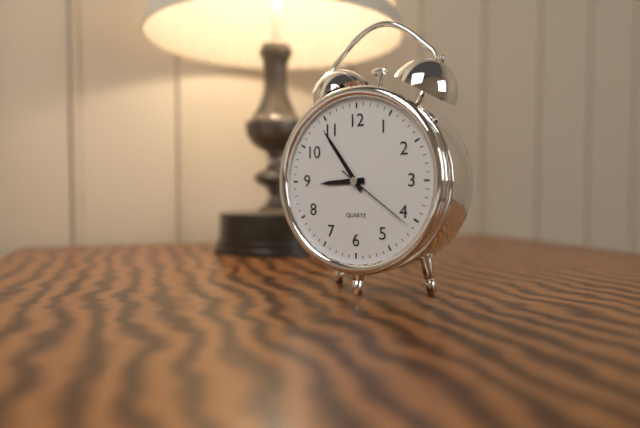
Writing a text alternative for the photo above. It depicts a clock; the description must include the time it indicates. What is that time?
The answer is 8:54:21
